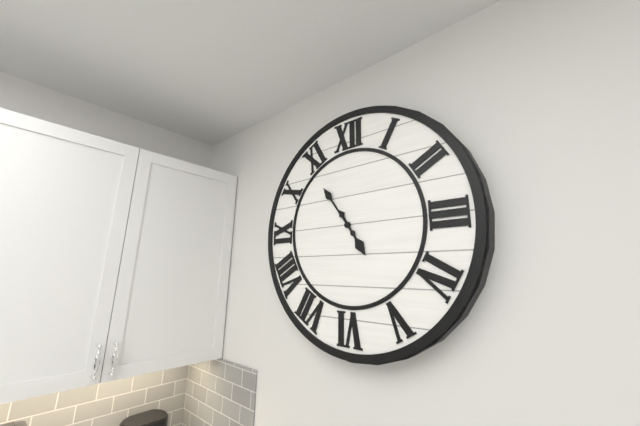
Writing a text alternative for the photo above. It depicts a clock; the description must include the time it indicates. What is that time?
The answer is 4:54
